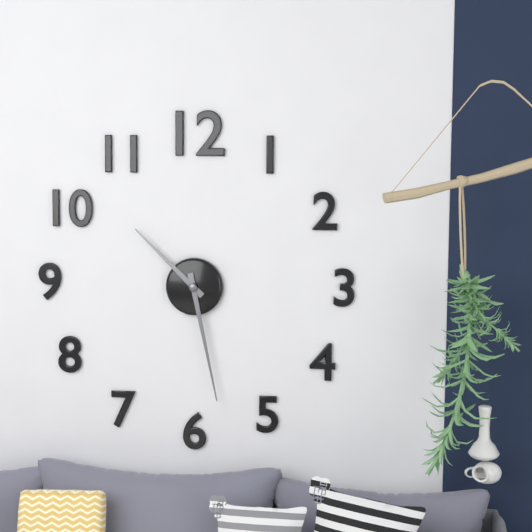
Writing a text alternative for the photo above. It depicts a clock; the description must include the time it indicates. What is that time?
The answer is 10:28
